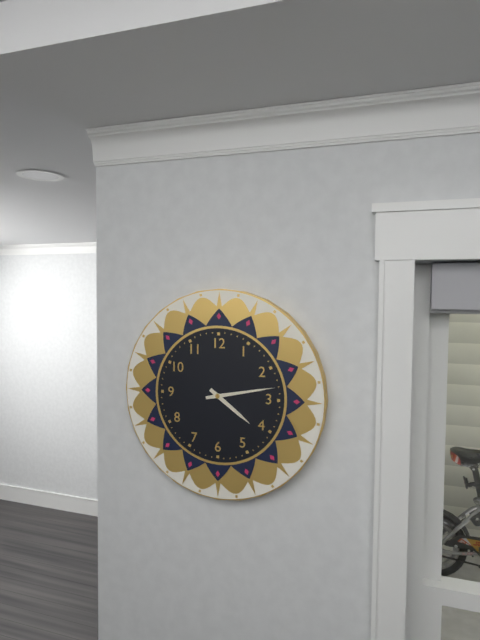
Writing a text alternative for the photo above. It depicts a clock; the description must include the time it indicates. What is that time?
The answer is 4:13
